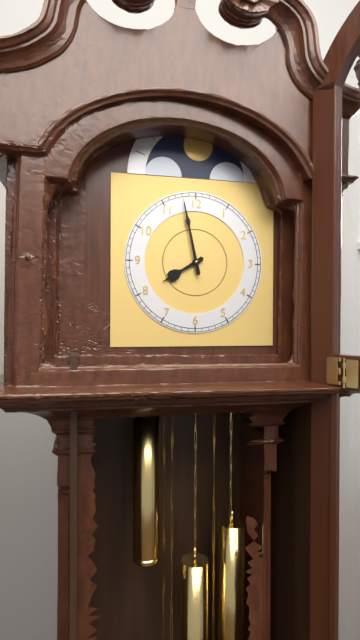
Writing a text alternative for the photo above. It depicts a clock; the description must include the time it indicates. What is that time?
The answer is 7:58
